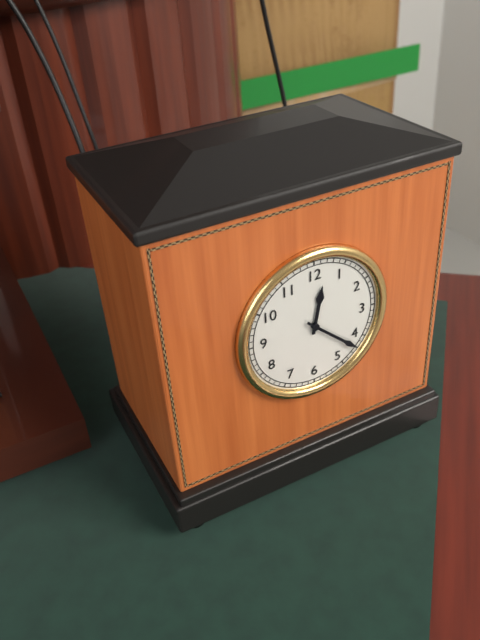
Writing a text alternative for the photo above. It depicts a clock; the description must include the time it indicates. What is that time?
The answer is 12:22
